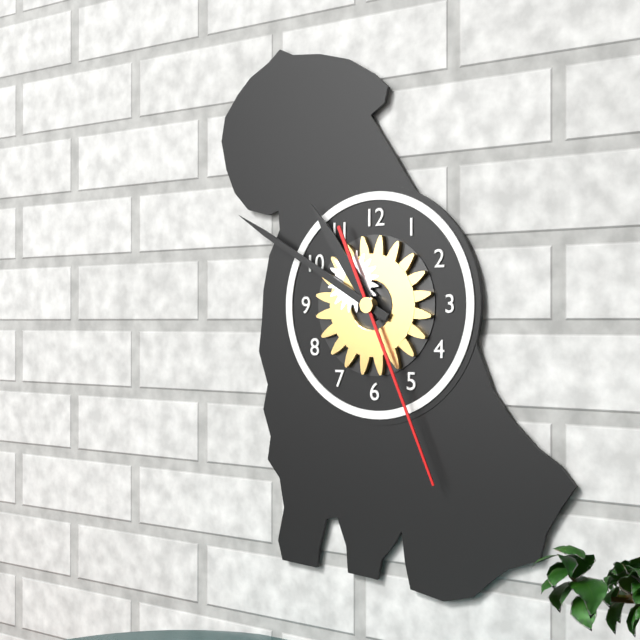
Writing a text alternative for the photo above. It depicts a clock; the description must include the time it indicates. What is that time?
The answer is 10:50:26
